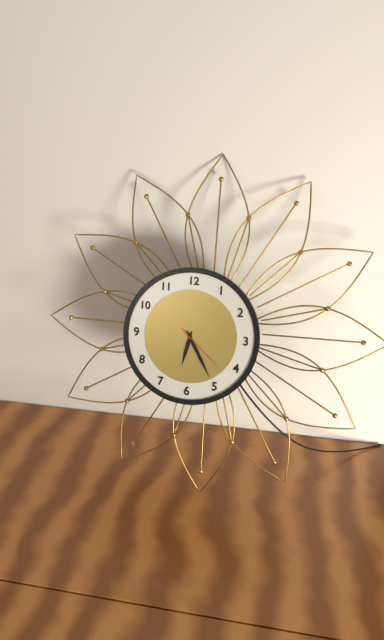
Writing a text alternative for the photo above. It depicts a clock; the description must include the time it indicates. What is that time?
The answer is 6:25:22
